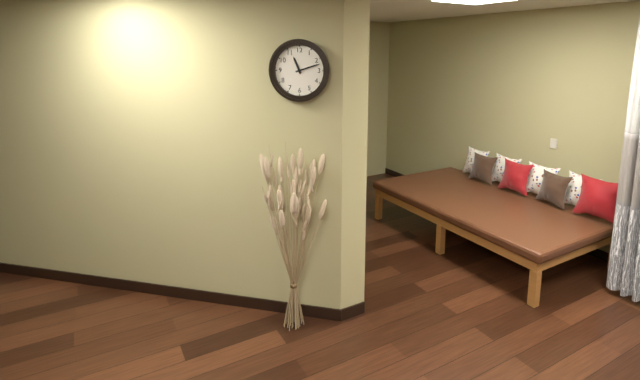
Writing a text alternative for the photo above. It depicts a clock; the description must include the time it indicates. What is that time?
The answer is 11:12
